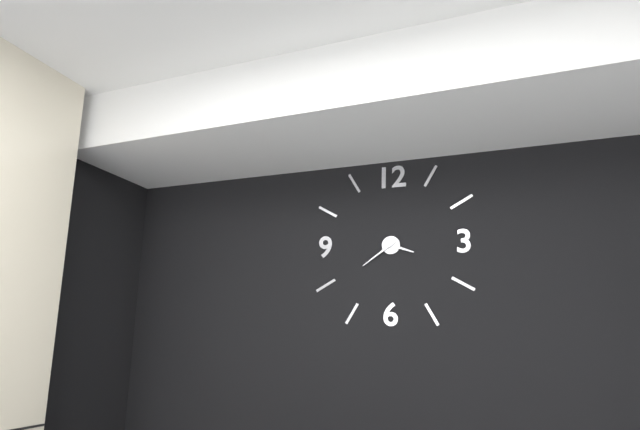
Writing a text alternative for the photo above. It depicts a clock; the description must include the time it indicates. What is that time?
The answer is 3:39
